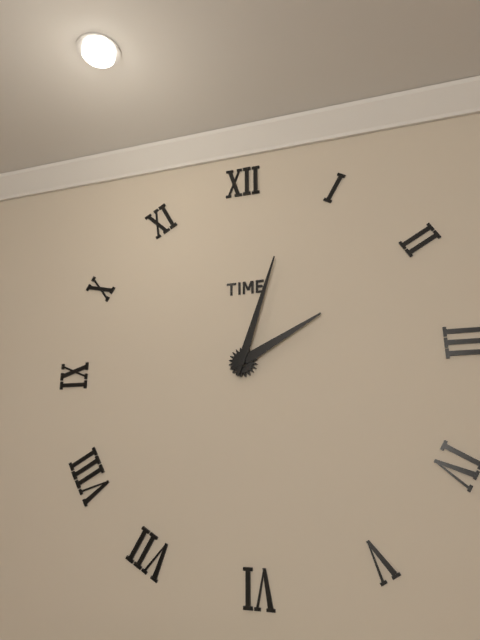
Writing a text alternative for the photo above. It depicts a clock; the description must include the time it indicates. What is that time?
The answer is 2:03
